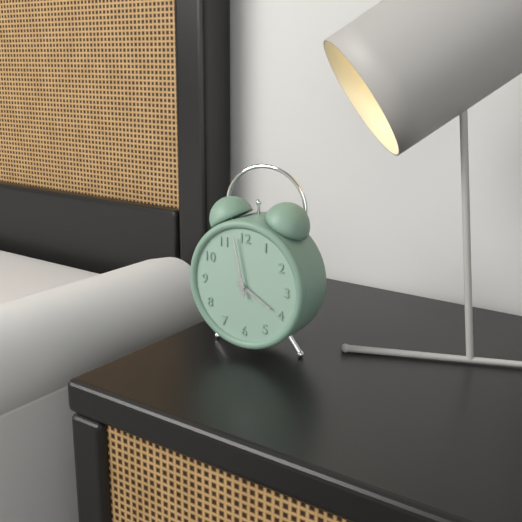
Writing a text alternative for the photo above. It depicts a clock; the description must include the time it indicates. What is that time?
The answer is 3:58
